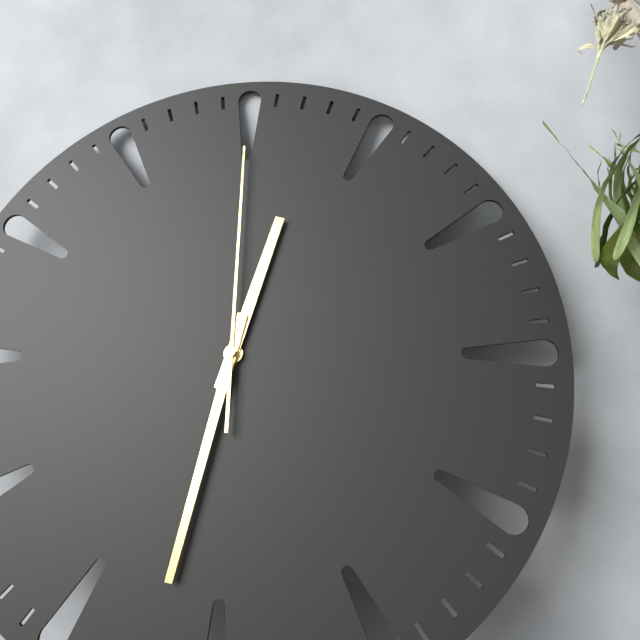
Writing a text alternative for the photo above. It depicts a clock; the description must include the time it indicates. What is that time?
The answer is 12:32:00
